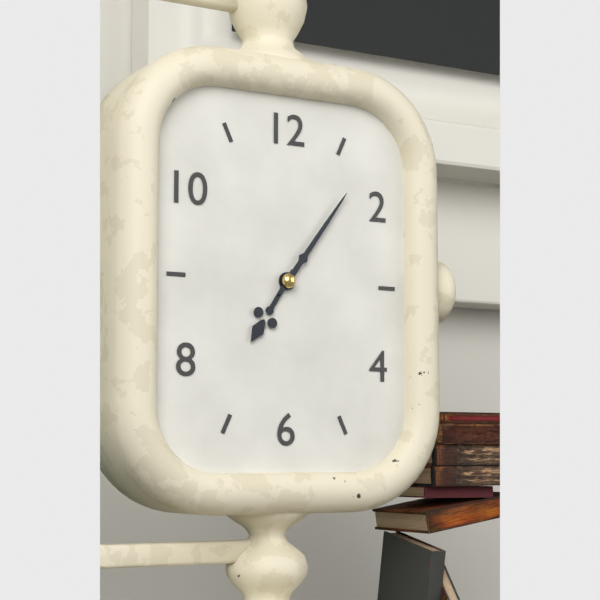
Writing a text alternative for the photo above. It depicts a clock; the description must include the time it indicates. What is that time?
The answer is 7:06
